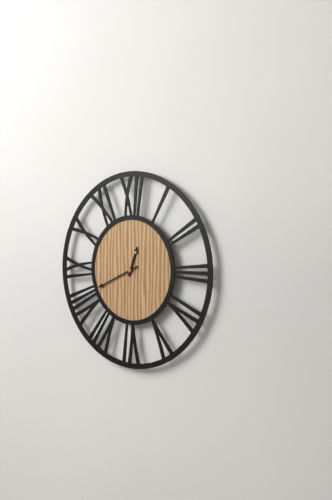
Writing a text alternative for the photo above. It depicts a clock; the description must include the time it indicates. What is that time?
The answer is 12:41
